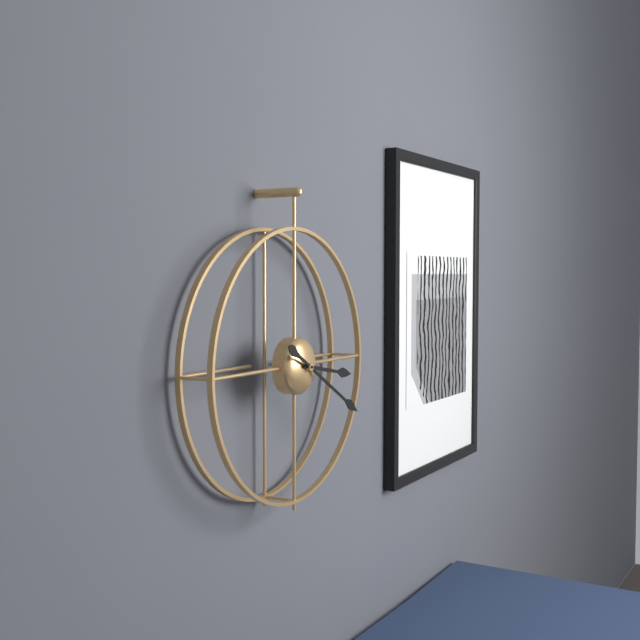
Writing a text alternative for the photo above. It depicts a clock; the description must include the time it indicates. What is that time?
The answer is 3:20
